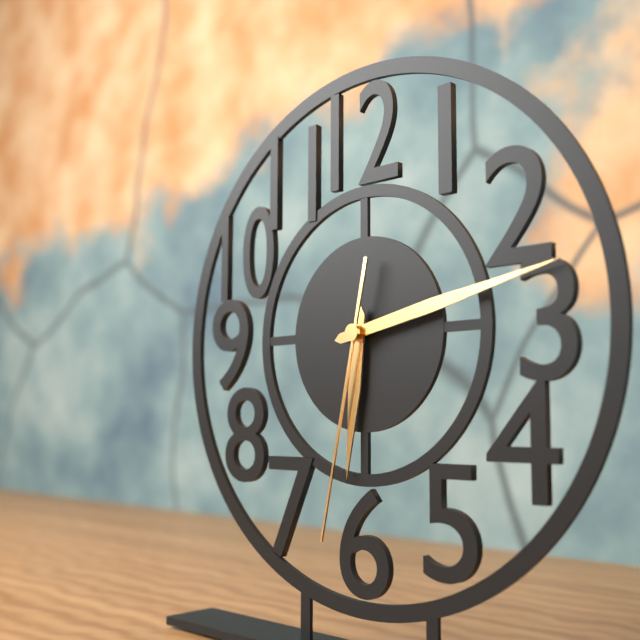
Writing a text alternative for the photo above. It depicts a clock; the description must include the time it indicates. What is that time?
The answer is 6:13:32
